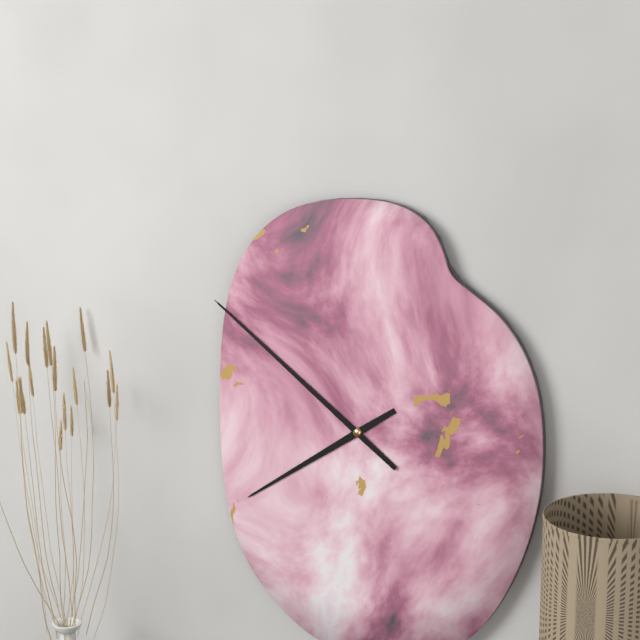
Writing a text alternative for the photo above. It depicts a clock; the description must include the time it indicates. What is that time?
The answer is 7:51
